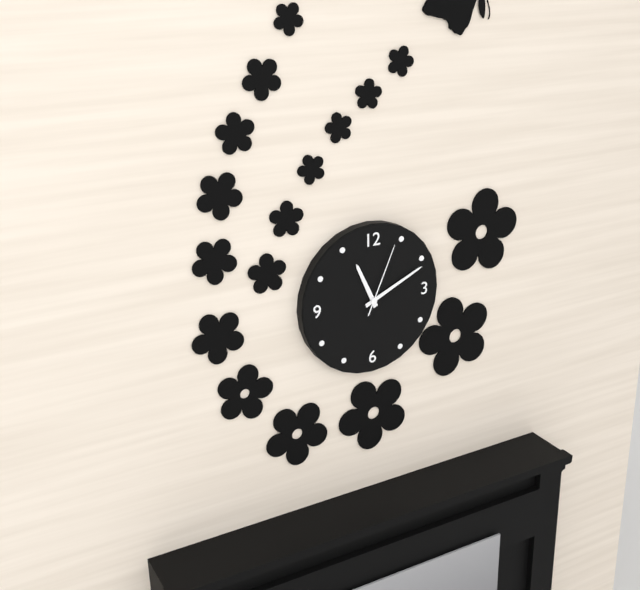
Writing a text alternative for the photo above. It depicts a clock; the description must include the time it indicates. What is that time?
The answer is 11:11:04
